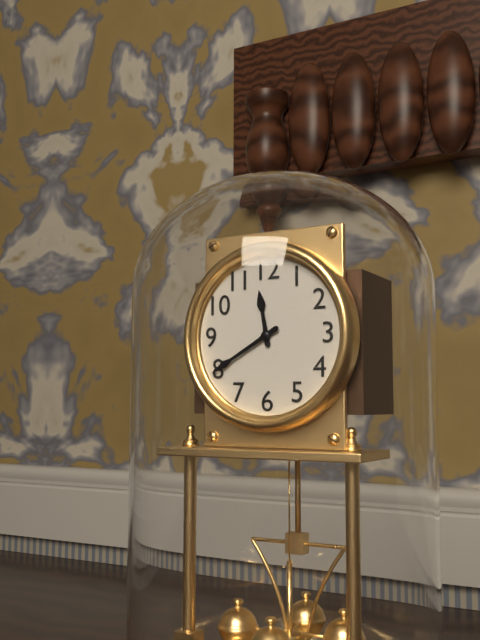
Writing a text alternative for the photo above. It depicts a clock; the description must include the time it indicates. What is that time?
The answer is 11:40
